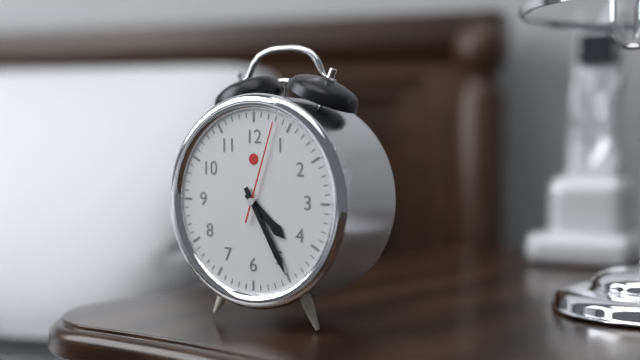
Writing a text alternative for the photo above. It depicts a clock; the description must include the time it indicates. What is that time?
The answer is 4:25:03
